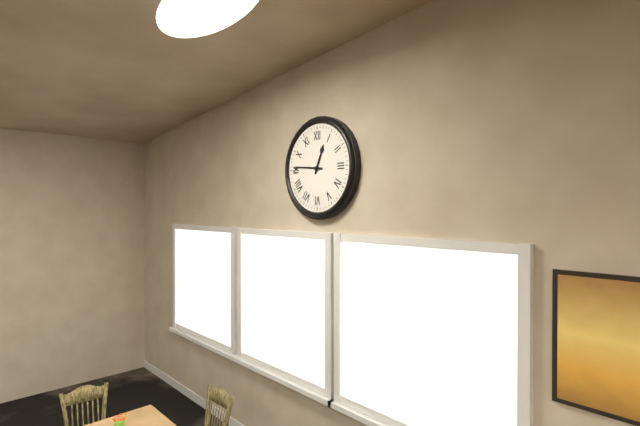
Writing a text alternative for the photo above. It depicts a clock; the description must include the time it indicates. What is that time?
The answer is 12:46
